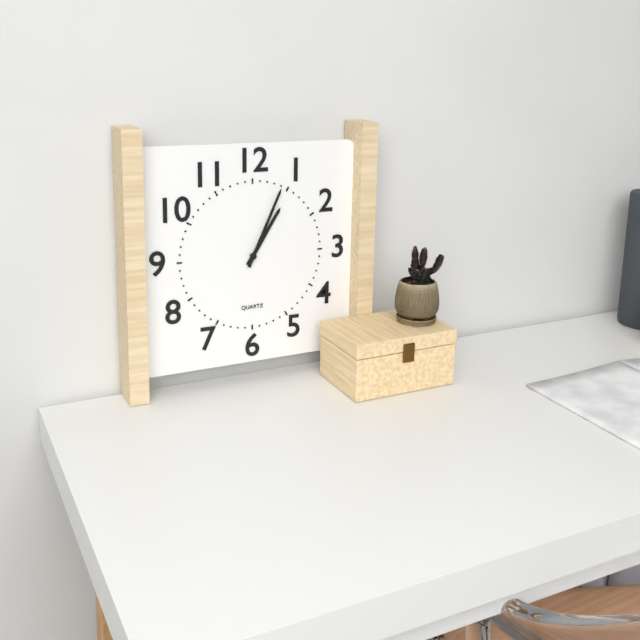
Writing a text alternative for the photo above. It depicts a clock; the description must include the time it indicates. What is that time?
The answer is 1:04
